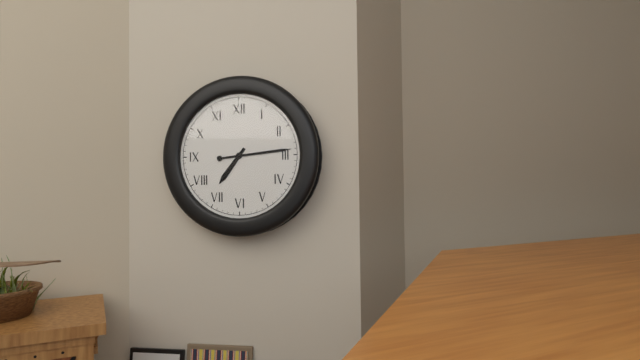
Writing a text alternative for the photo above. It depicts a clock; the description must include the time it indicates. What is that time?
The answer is 7:14
